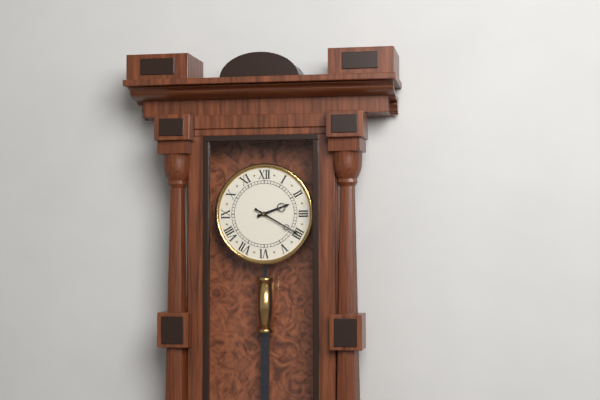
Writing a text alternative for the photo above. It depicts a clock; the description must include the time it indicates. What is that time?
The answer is 2:20
